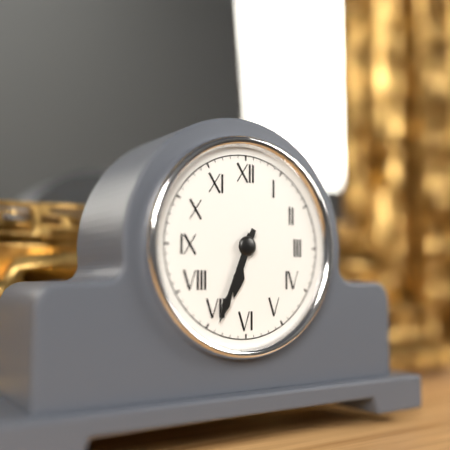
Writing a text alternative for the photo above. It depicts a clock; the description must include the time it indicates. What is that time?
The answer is 6:34
